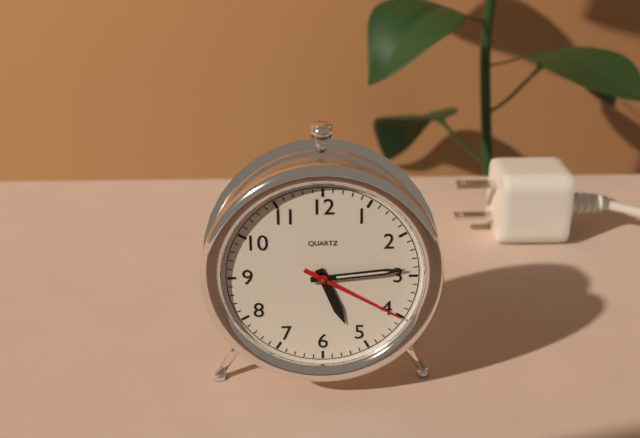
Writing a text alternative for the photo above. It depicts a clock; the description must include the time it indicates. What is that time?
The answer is 5:14:20
